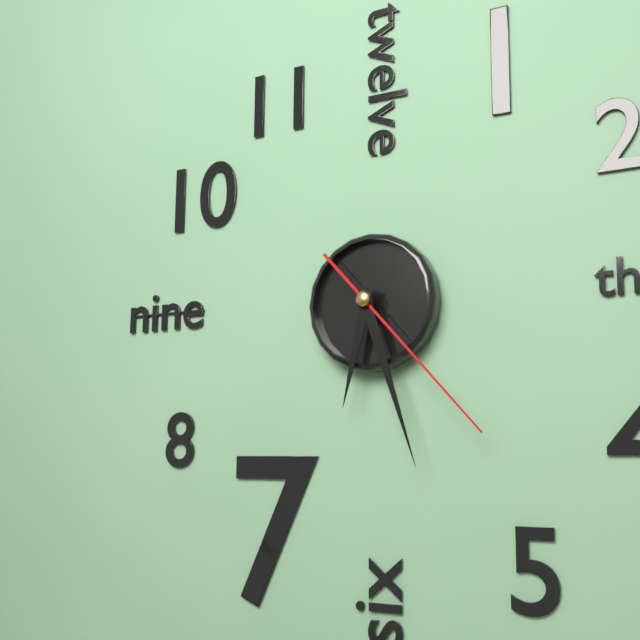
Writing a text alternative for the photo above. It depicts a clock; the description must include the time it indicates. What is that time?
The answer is 6:27:23
